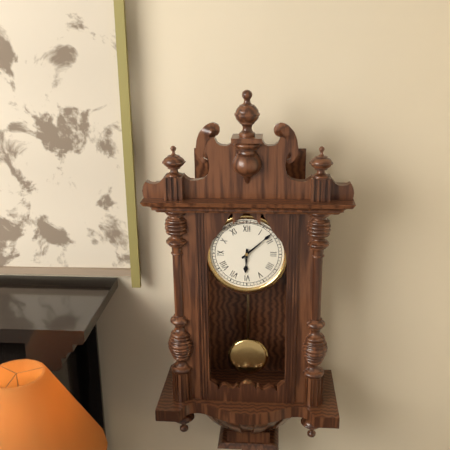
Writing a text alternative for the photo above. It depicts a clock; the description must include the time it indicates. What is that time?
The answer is 6:08
